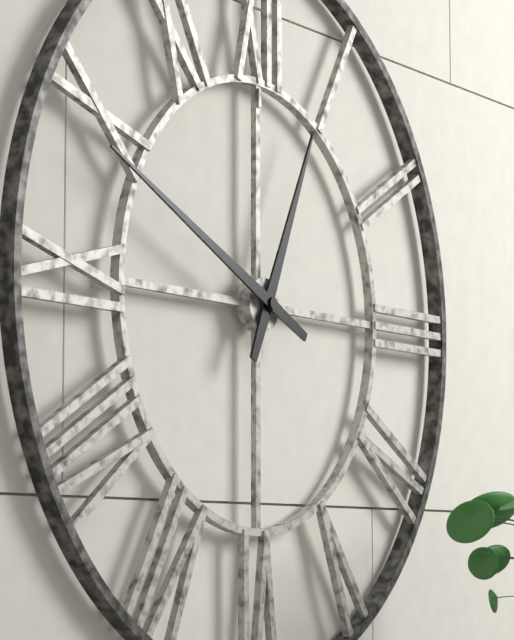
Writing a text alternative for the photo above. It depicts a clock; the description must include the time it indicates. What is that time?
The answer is 12:49
